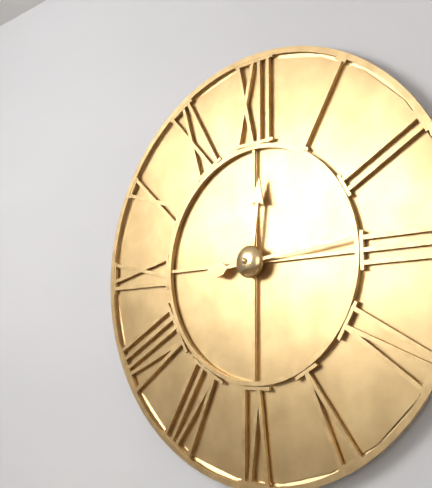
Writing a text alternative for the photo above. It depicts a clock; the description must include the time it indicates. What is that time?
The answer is 12:14
